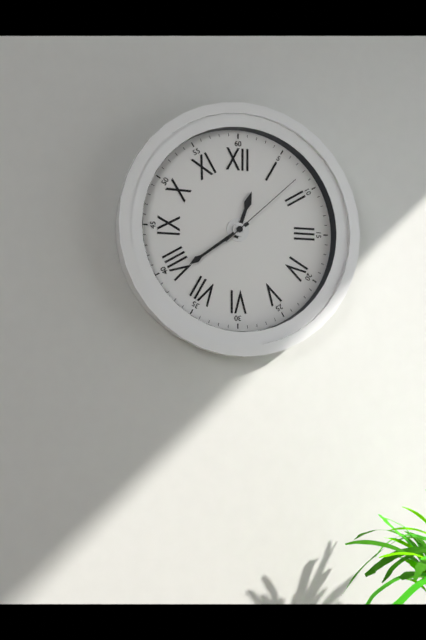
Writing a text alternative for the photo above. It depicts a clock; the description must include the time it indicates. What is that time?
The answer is 12:39:08
